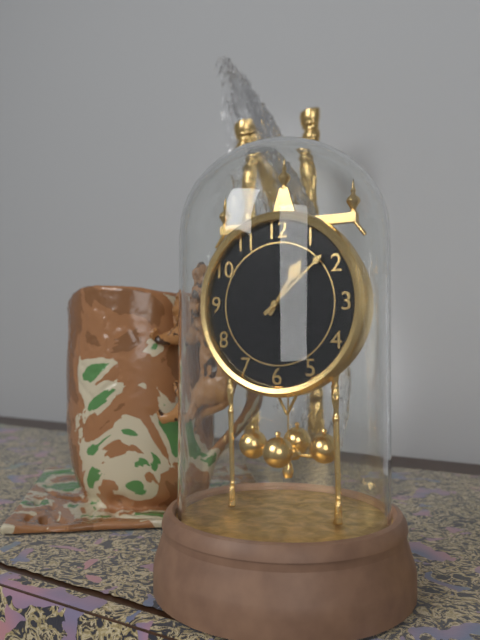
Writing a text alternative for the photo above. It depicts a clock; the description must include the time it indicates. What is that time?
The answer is 1:08
